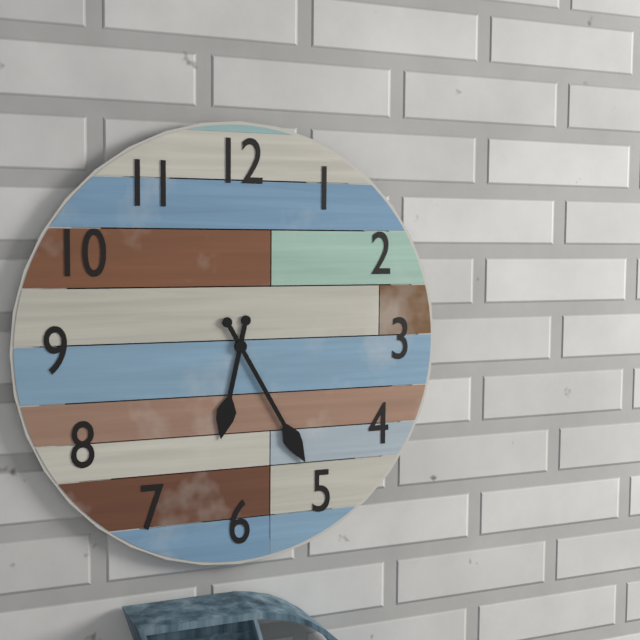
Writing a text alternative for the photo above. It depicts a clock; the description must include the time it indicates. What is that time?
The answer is 6:25
